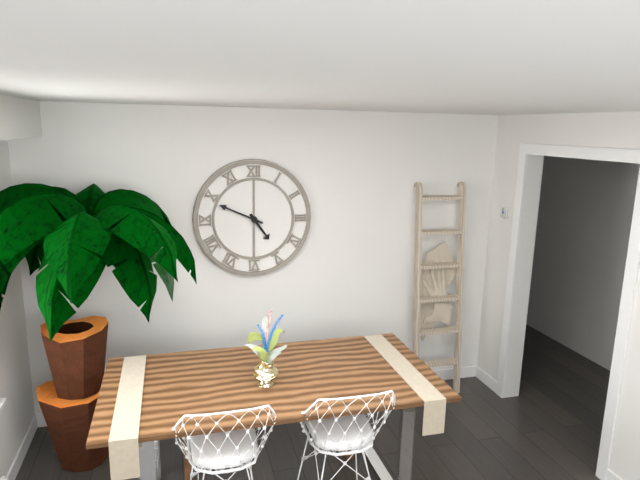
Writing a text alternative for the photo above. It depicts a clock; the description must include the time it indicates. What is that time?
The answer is 4:49
